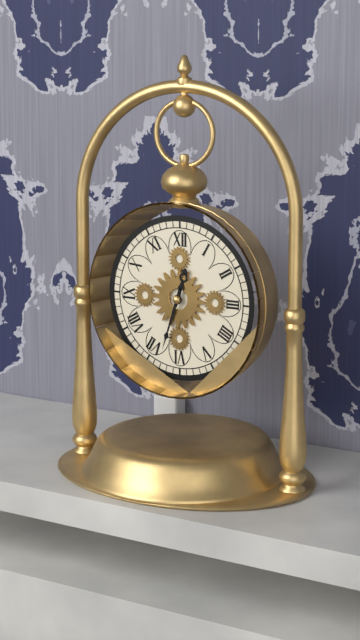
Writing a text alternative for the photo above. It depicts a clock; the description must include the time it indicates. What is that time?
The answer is 12:33
